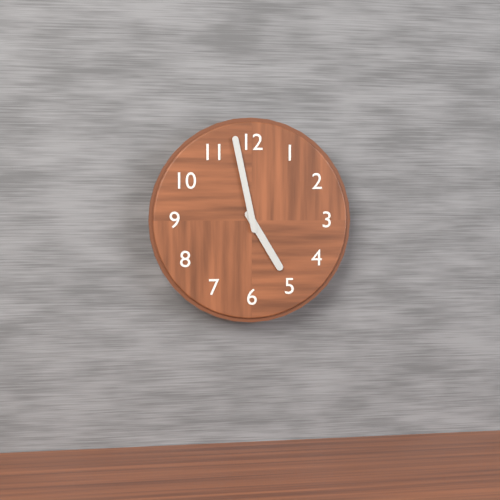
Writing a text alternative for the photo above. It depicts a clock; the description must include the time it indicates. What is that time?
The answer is 4:58
